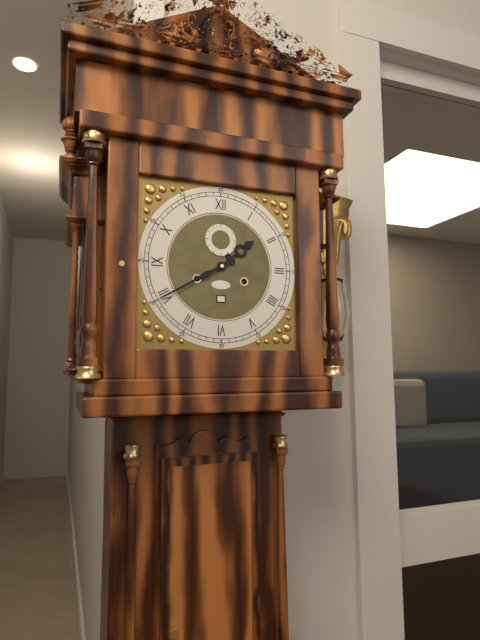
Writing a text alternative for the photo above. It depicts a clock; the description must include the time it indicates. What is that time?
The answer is 1:40
